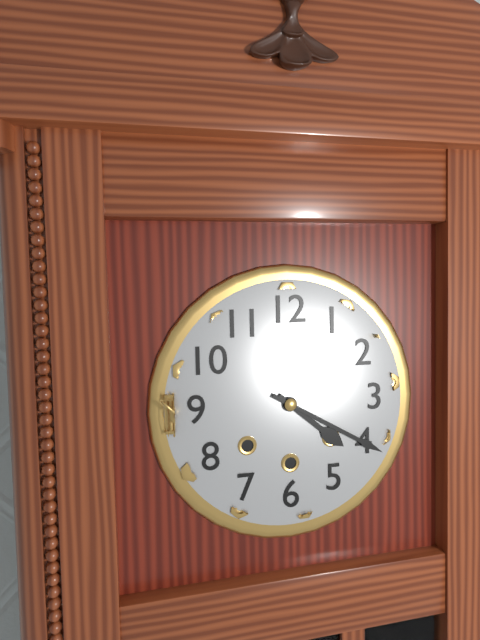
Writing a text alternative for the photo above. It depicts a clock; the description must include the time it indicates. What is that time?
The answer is 4:20
